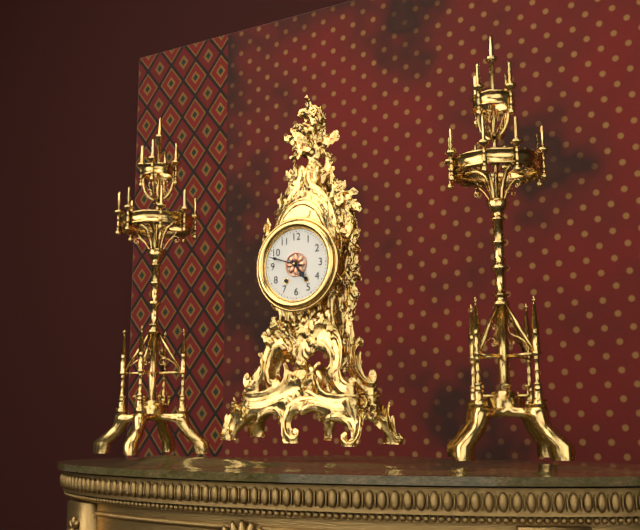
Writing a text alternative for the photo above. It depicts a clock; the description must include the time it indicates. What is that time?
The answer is 4:48
